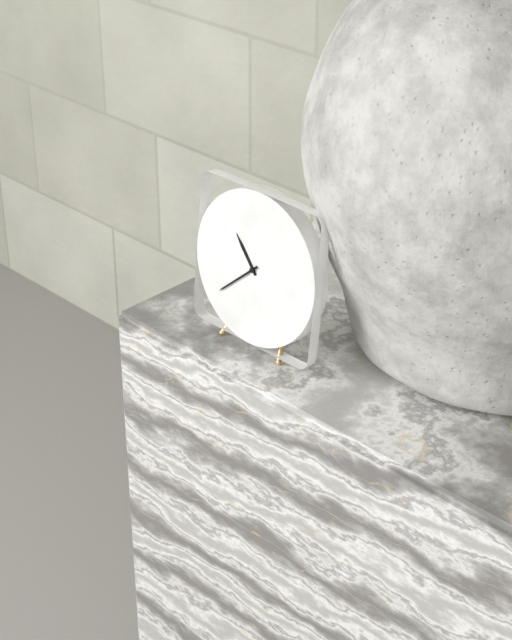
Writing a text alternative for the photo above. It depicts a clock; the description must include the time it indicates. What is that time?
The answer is 10:38
